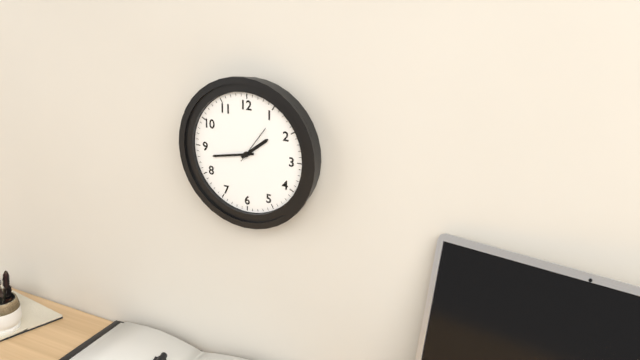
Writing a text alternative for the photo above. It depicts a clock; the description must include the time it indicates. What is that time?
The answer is 1:43
